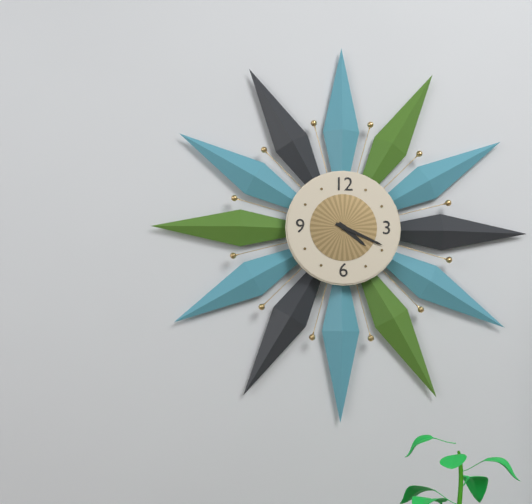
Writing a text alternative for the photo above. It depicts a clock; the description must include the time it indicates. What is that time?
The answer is 4:19
